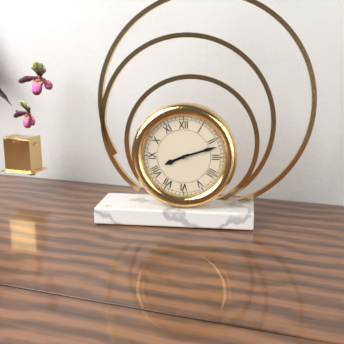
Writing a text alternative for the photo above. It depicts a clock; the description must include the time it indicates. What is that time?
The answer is 8:12
